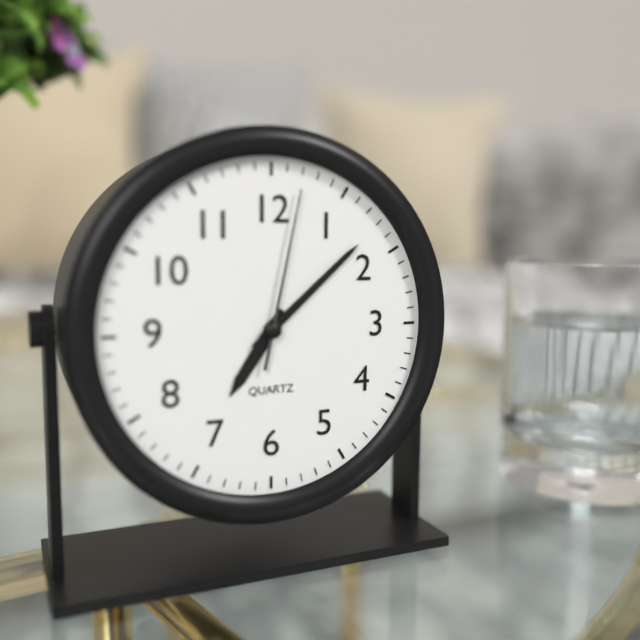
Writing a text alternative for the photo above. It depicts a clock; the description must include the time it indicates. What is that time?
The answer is 7:08:02
